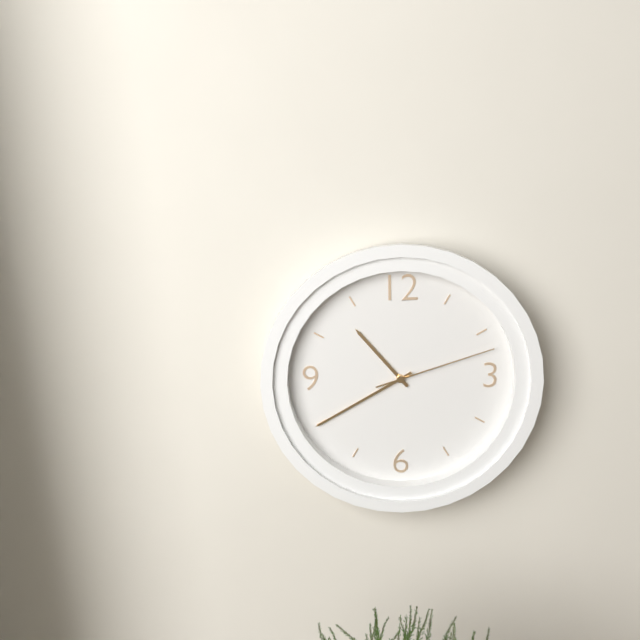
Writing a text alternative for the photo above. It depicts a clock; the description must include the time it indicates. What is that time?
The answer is 10:40:12
